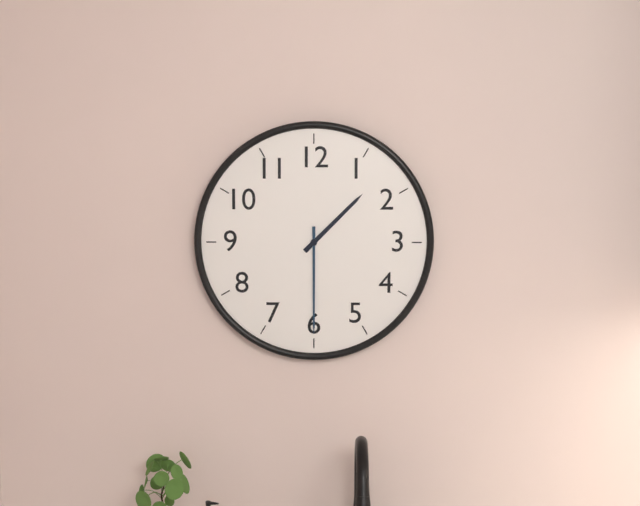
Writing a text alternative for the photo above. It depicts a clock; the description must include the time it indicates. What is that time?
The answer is 1:30
